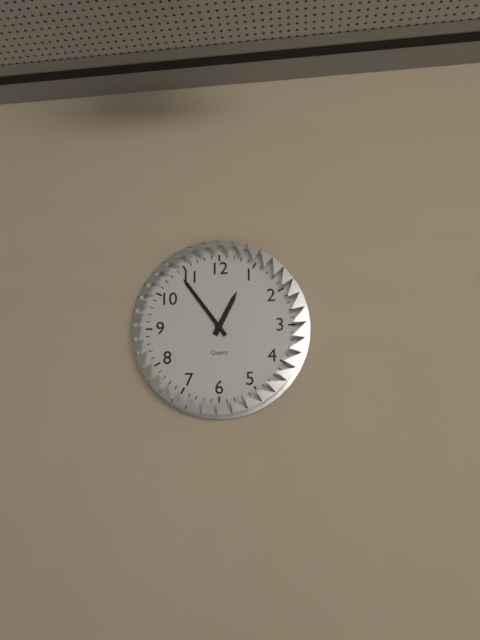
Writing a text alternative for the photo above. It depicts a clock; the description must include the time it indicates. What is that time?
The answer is 12:54
